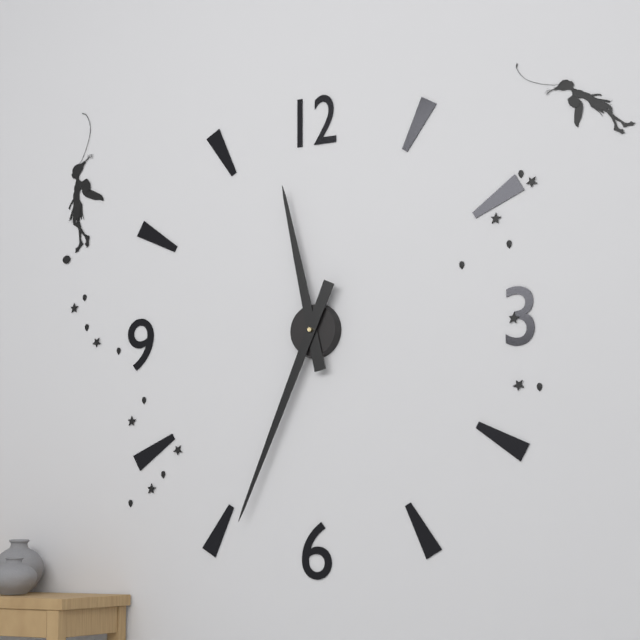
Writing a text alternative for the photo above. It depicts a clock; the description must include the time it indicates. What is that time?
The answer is 11:34
